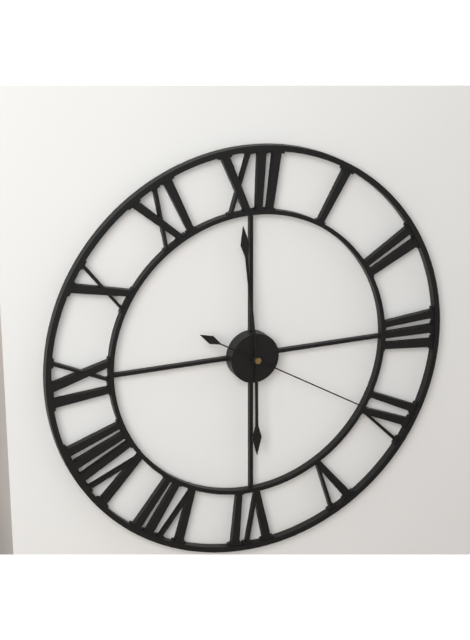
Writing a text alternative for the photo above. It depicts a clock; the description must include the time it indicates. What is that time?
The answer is 5:59:20
